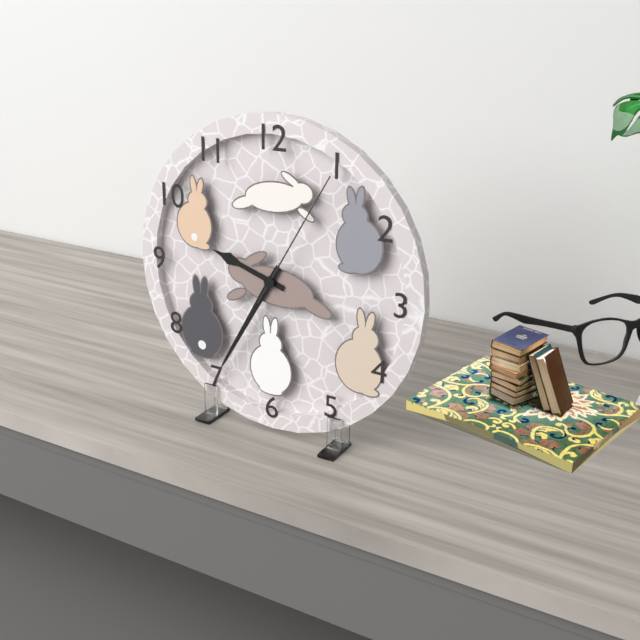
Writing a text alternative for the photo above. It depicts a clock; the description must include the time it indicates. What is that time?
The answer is 9:35:05
